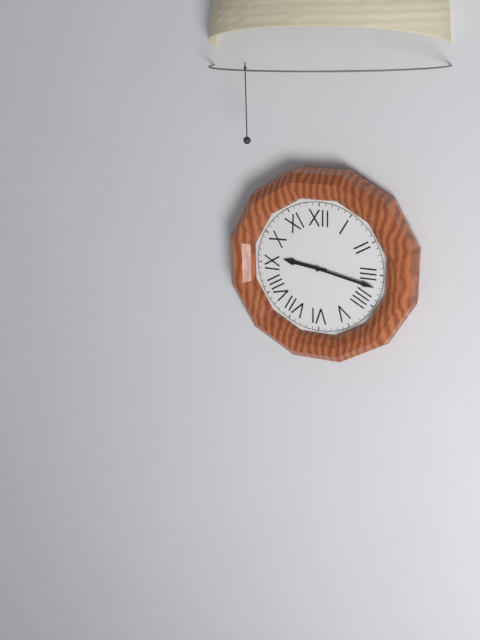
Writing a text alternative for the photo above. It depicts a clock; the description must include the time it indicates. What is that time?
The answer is 9:17
